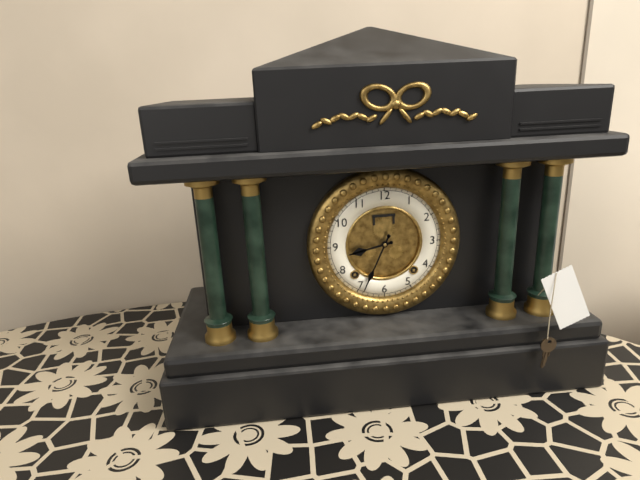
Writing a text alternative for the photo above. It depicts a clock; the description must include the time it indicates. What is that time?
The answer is 8:34
